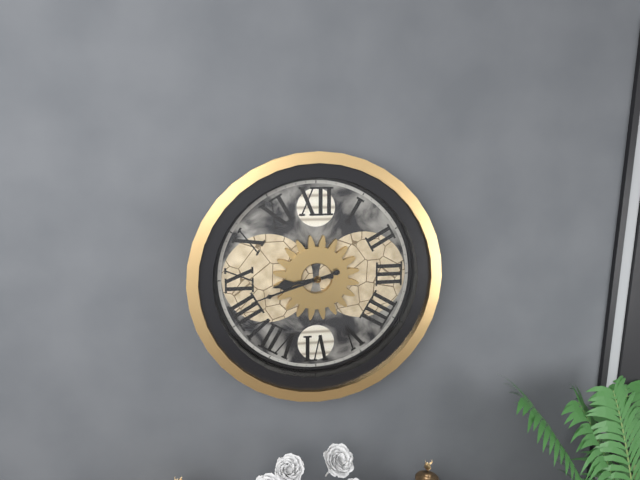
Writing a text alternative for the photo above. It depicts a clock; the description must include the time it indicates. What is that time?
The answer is 8:42
